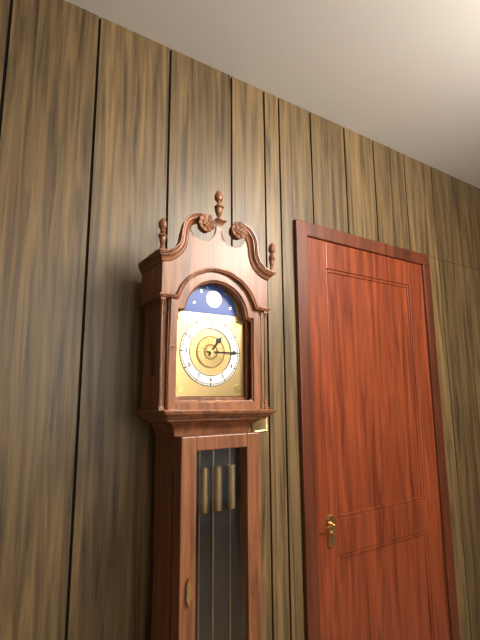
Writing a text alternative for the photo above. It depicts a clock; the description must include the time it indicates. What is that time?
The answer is 1:15
